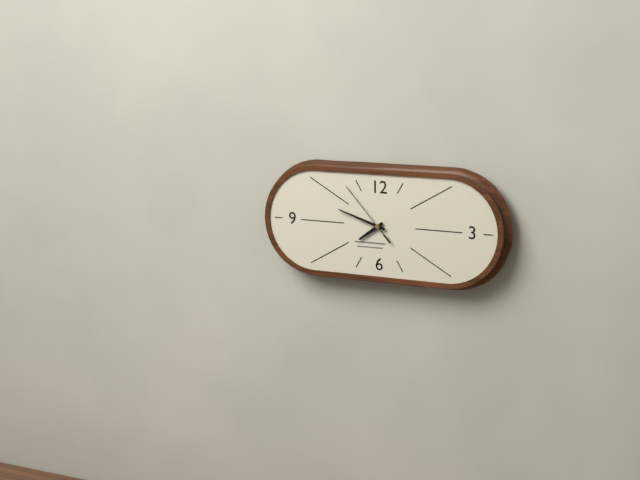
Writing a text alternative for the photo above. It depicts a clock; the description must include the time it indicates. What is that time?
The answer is 7:48:53
